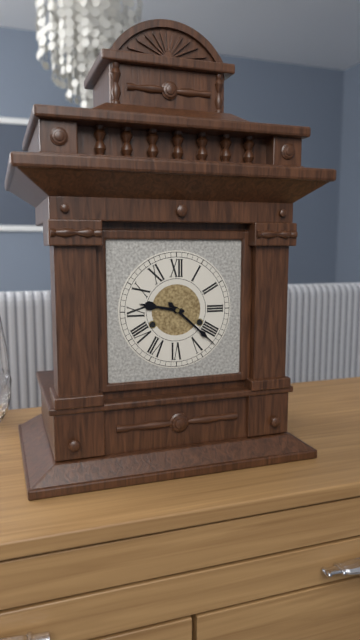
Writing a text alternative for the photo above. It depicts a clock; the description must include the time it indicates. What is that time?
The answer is 9:22
